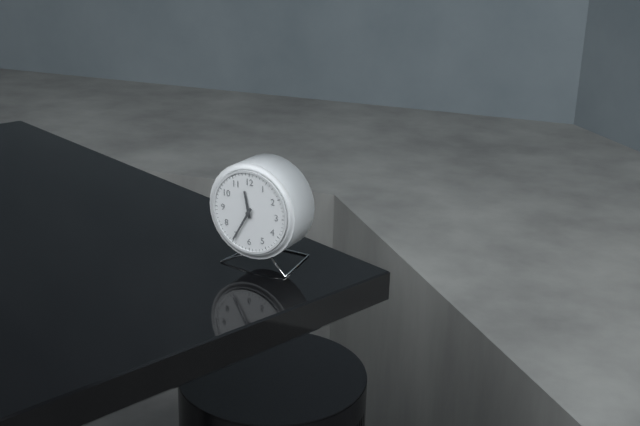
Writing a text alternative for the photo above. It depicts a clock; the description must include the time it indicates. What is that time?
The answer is 11:35
